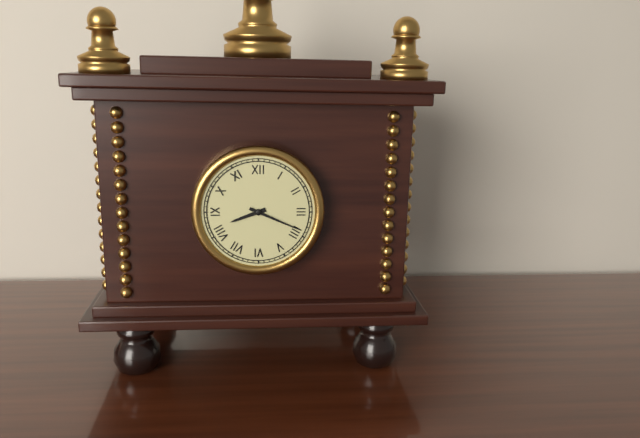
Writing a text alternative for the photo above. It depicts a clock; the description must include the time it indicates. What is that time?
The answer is 8:19
